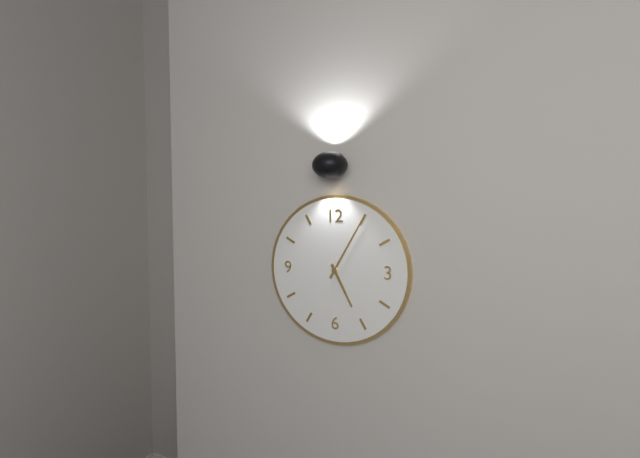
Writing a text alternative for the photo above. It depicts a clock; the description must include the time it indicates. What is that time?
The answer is 5:05
